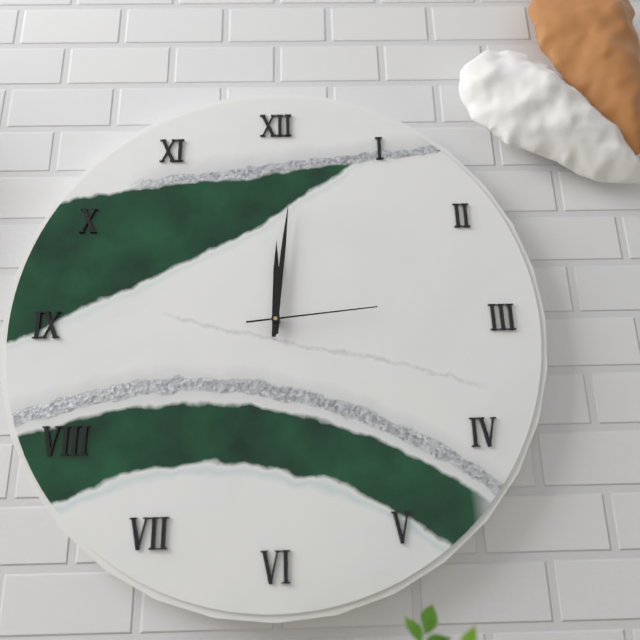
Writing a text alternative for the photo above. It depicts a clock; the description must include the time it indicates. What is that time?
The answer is 12:01:14
